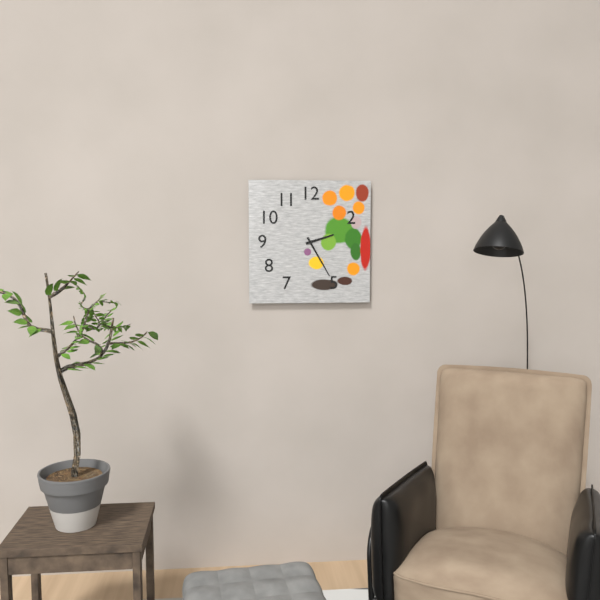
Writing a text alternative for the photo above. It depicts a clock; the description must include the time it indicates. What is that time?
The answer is 2:25
